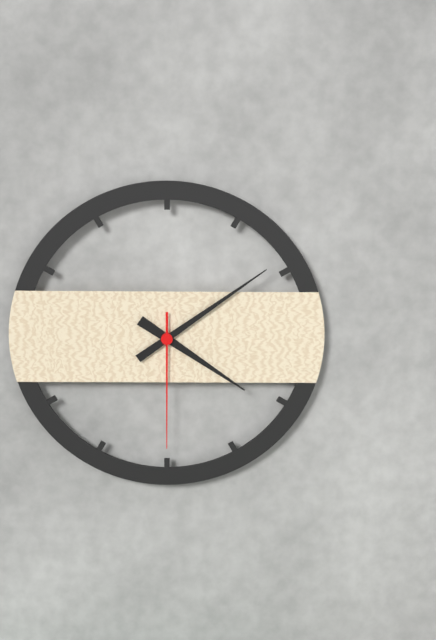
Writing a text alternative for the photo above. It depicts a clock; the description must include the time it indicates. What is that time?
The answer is 4:09:30
